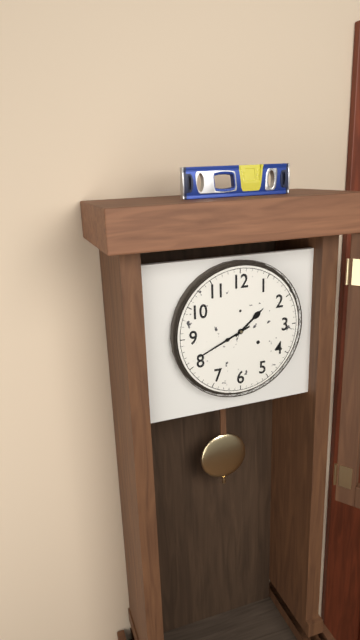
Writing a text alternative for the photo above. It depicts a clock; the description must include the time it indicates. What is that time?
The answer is 1:41
